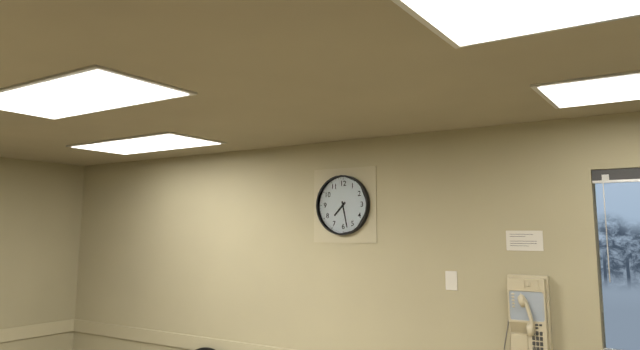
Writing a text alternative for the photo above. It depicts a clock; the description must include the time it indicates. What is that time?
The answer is 7:28
